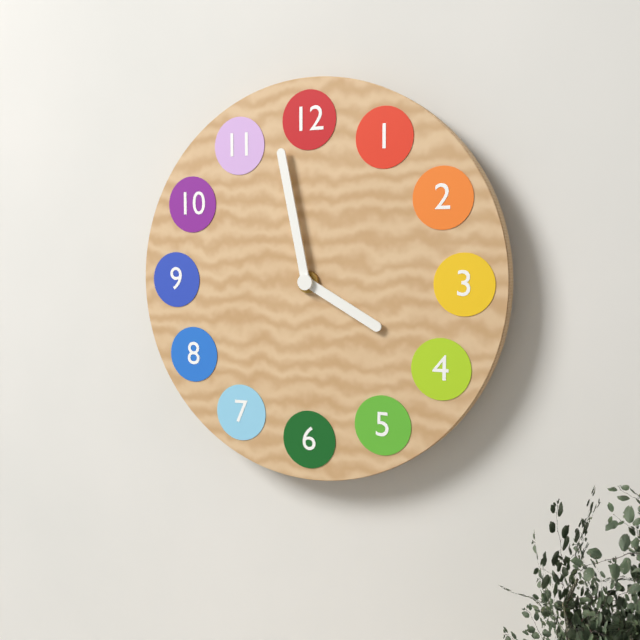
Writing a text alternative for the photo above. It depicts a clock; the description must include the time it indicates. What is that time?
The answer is 3:58
